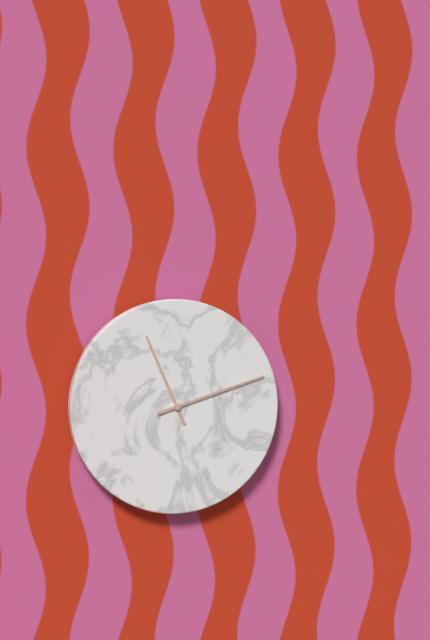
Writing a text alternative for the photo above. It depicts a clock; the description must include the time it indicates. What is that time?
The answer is 11:12
